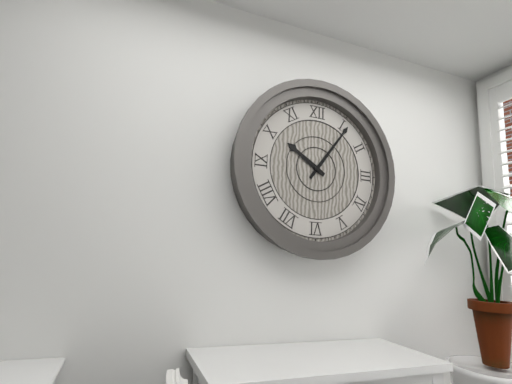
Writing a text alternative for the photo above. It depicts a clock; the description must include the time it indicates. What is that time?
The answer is 10:06
